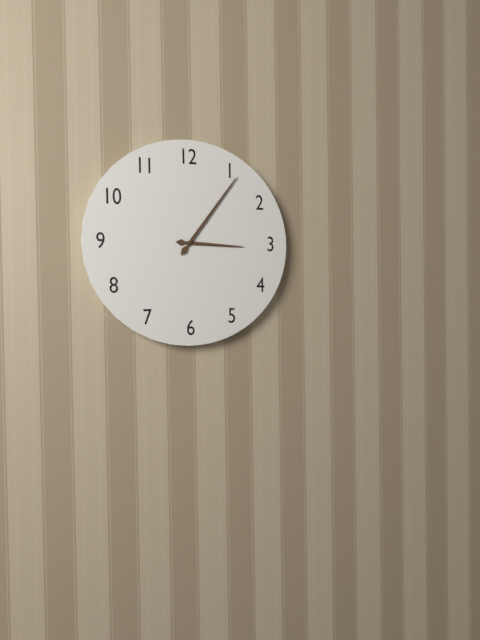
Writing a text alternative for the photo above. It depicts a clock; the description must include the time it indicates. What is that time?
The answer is 3:06
